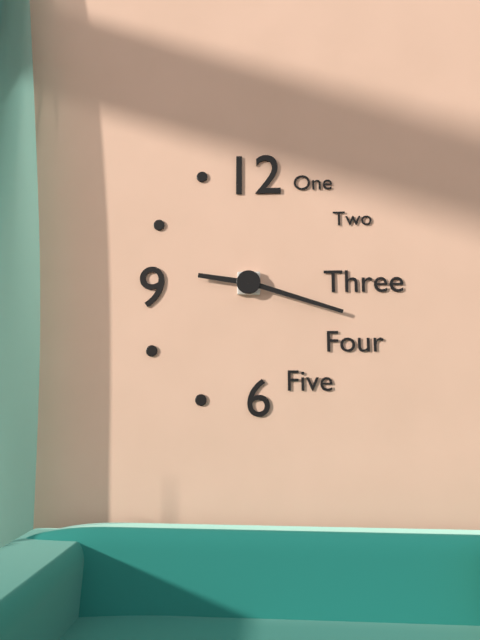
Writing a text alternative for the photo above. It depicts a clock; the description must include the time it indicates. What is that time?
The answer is 9:18
